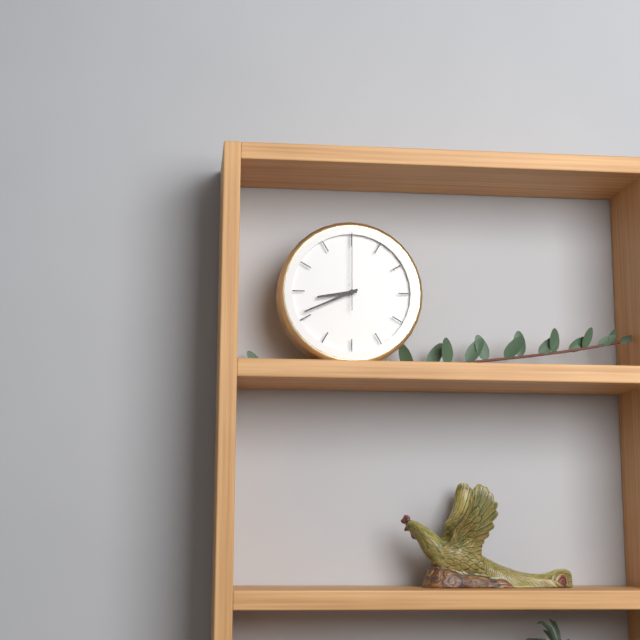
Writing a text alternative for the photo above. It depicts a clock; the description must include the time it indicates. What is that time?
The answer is 8:41:00
